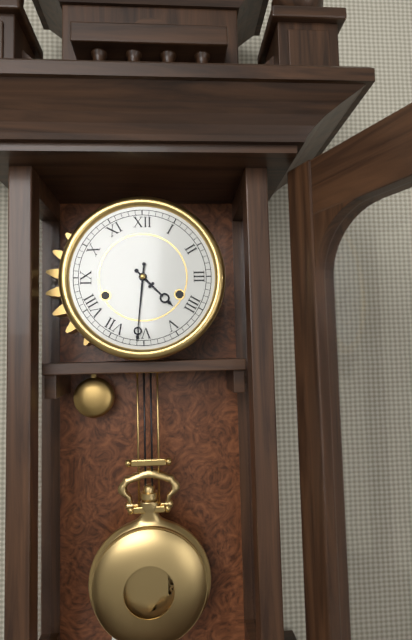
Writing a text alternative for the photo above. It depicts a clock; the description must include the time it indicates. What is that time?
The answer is 4:31
